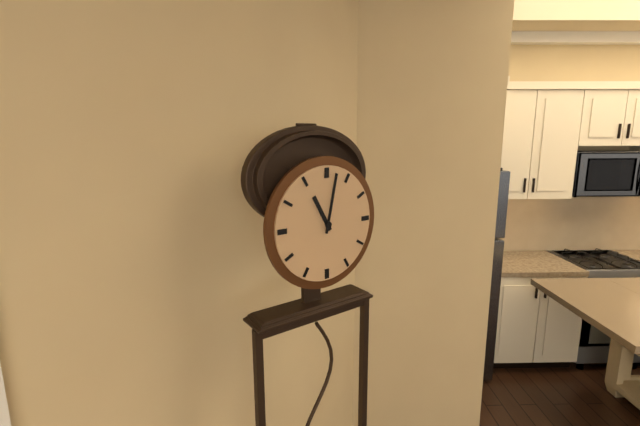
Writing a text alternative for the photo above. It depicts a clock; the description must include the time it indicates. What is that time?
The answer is 11:02
